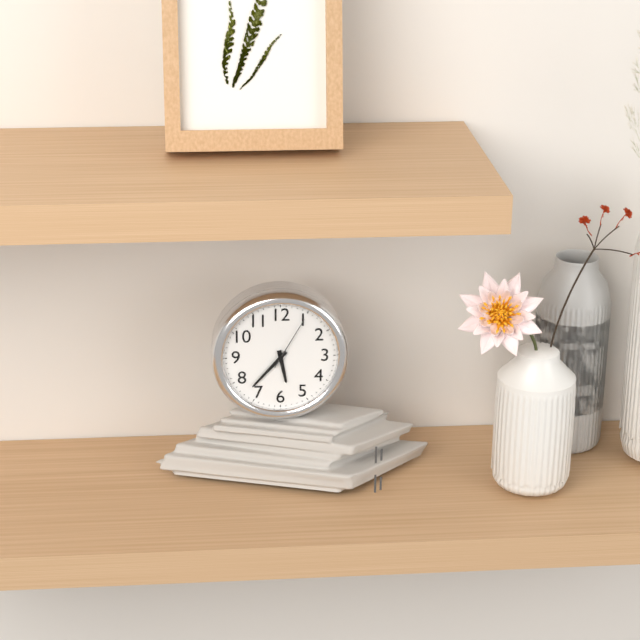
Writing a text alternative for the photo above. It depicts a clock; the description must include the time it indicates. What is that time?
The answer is 5:37:05
